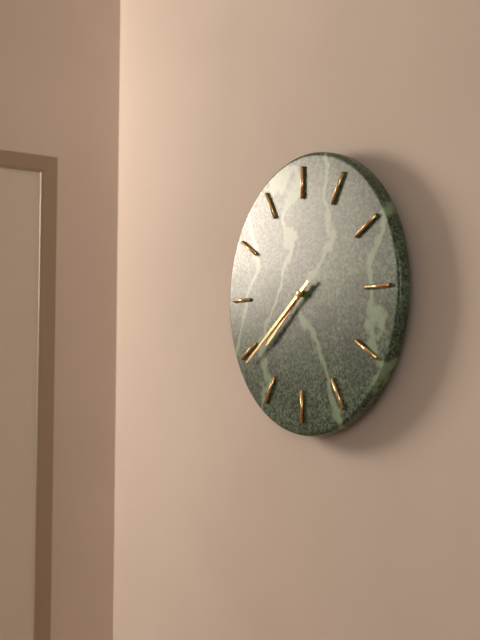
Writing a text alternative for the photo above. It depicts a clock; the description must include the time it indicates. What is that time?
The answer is 7:39
